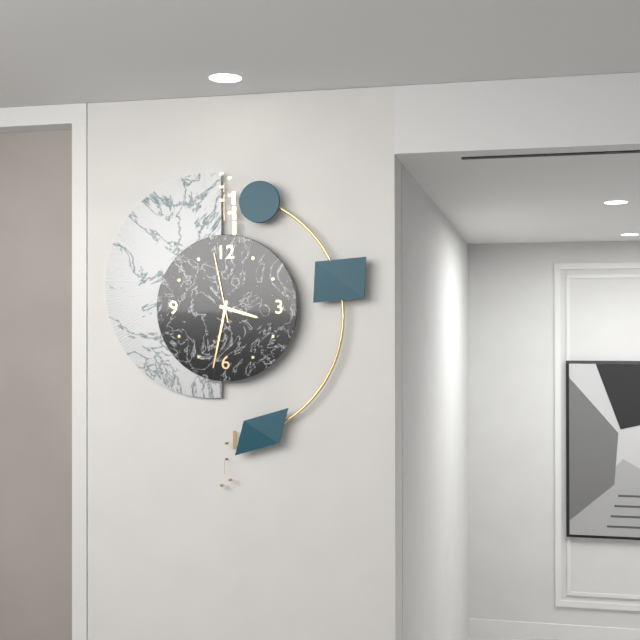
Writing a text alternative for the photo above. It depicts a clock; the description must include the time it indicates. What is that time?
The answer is 3:32:58
